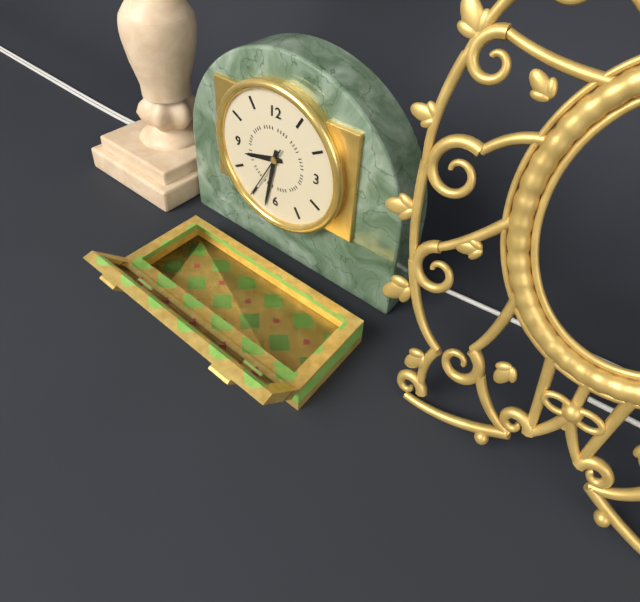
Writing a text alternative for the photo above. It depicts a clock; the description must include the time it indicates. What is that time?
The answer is 8:32:35
